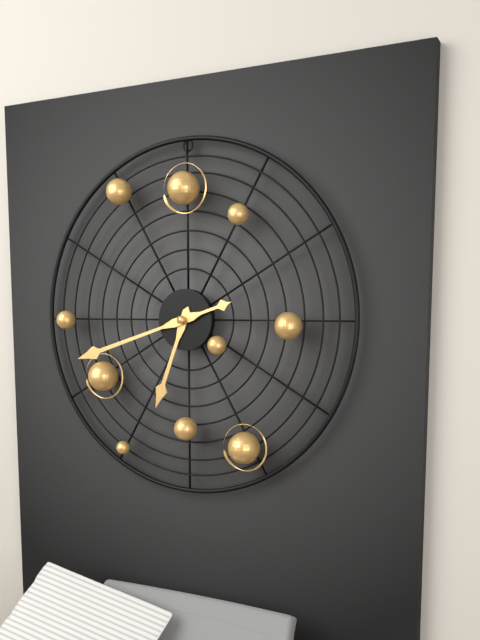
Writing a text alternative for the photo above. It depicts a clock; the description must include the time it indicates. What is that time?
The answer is 6:42
